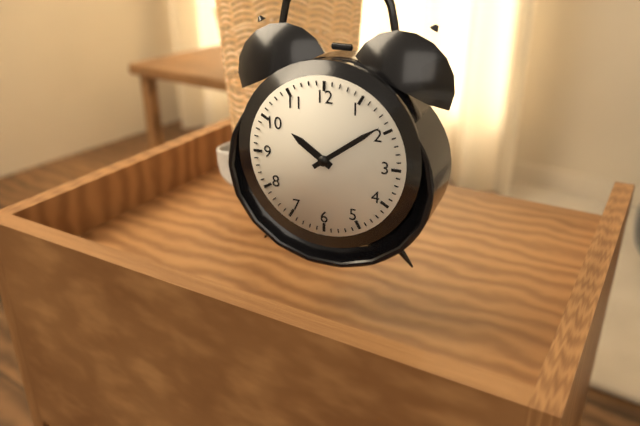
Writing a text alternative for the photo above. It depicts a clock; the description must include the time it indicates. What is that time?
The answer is 10:09
